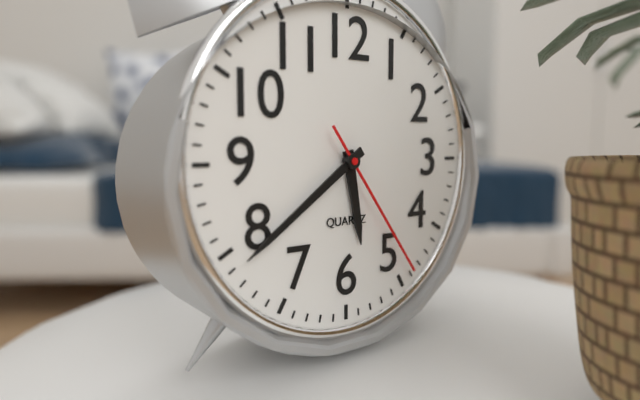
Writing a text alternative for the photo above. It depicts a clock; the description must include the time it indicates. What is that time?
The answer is 5:39:24
